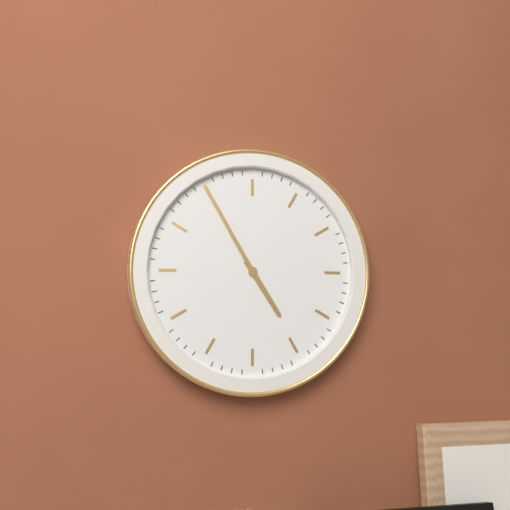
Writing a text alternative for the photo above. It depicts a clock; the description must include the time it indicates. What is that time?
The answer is 4:55
